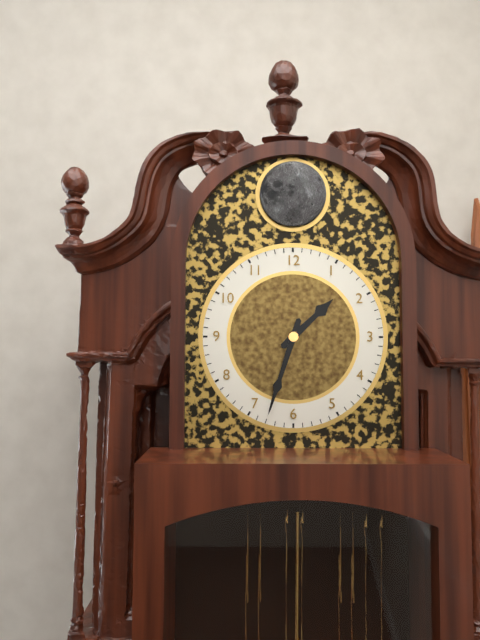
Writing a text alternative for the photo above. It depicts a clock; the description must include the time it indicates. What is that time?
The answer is 1:33
